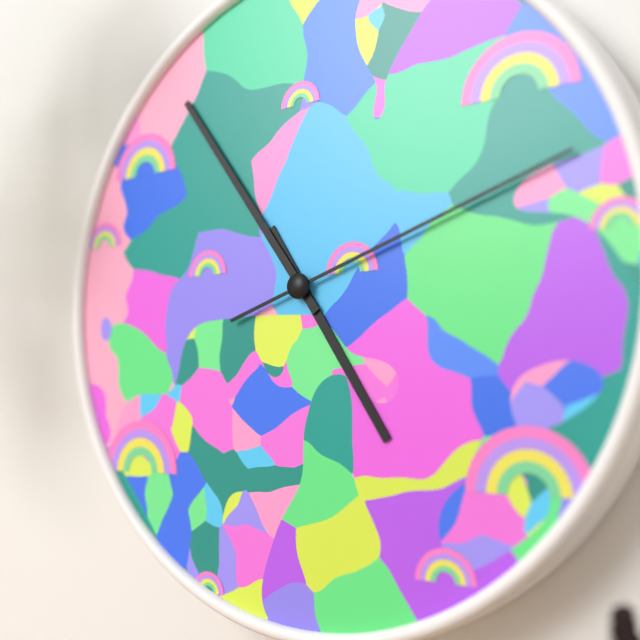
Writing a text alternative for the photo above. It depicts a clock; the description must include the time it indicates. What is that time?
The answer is 4:54:12
